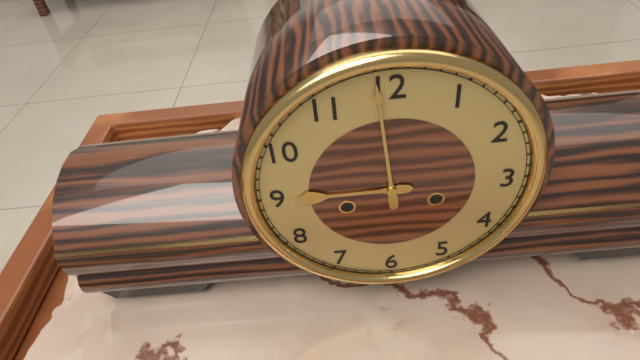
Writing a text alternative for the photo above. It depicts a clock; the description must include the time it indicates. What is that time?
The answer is 8:59
